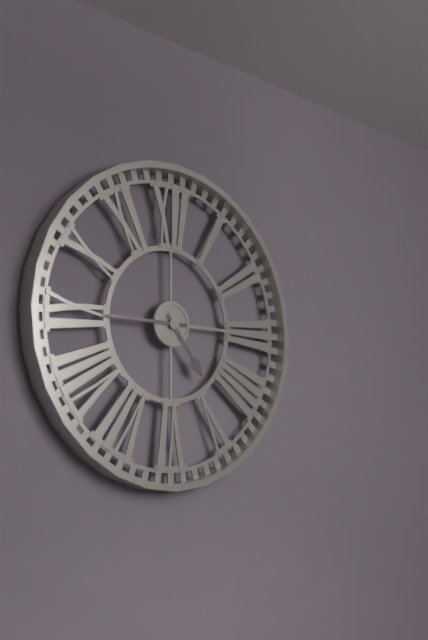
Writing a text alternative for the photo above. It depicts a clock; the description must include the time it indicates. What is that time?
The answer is 4:45
